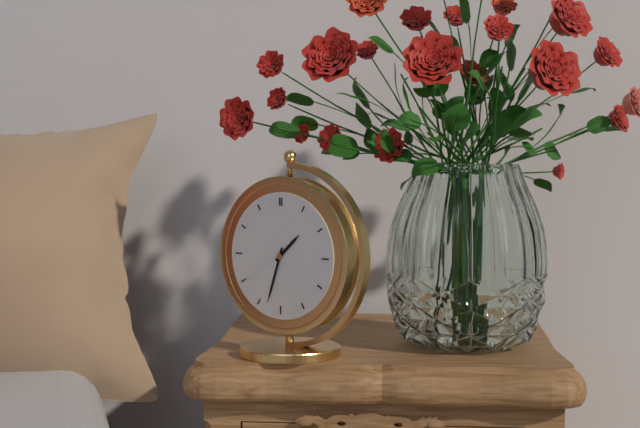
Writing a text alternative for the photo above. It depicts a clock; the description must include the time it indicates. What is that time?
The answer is 1:33
